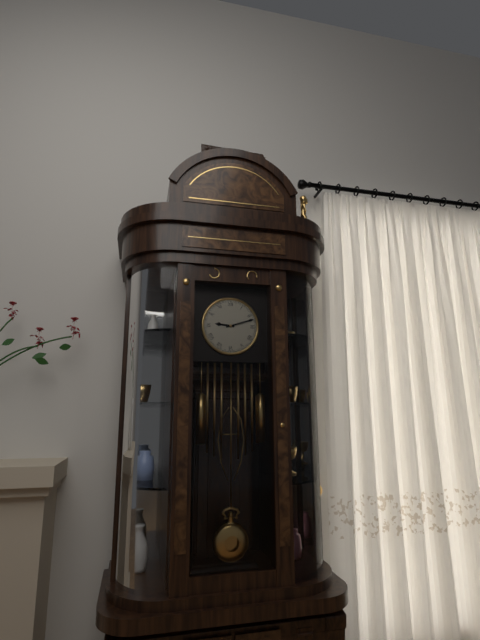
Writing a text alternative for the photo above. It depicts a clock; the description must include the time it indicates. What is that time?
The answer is 9:12
